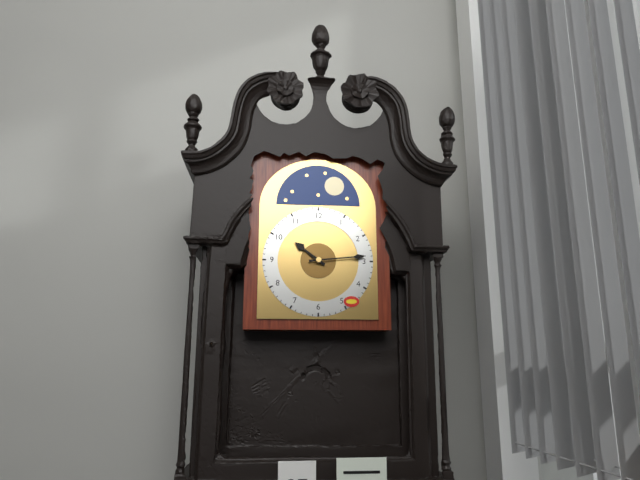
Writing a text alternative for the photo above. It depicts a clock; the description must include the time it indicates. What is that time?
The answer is 10:14
